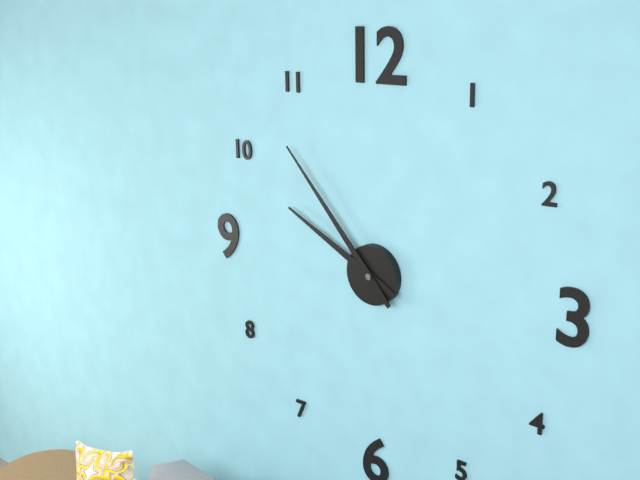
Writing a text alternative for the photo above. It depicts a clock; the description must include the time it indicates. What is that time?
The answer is 9:53
